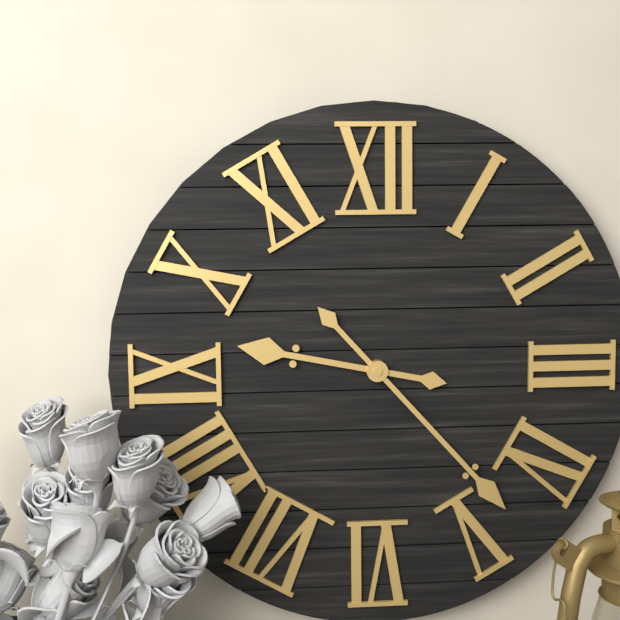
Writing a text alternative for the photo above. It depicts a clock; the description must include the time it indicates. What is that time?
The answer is 9:23
